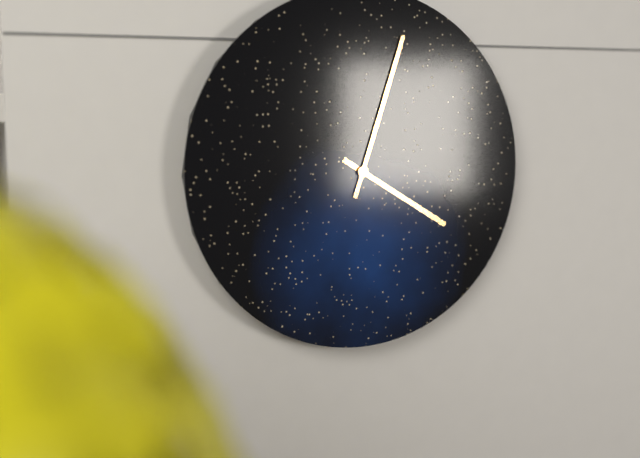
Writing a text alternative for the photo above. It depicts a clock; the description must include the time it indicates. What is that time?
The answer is 4:03
